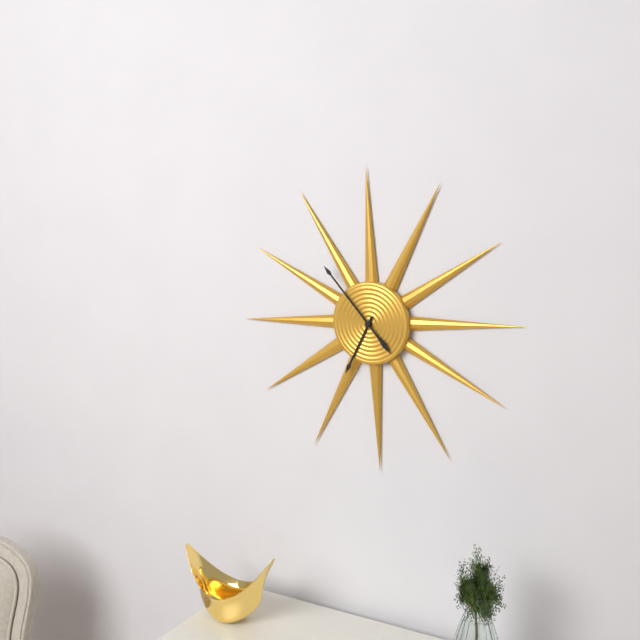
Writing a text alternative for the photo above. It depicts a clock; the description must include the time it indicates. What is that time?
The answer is 6:53
